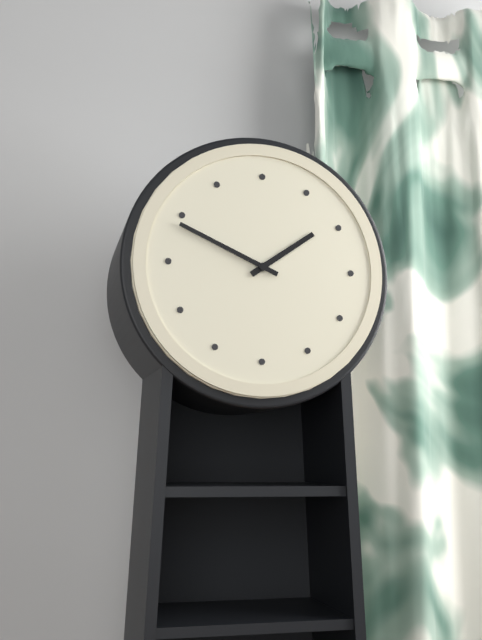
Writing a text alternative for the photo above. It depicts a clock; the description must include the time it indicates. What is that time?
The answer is 1:49
